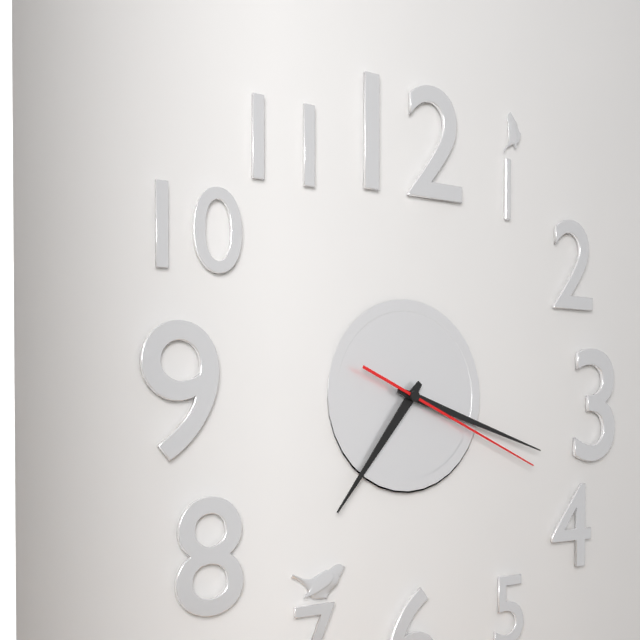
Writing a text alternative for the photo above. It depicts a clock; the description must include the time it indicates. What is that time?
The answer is 7:18:19
